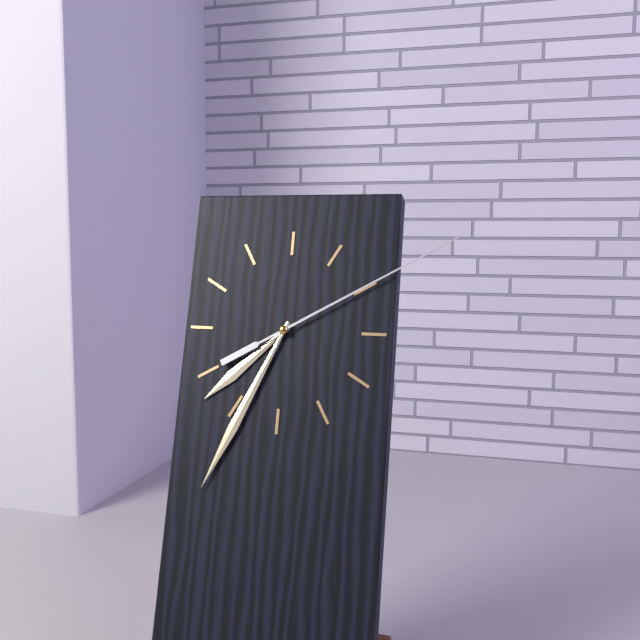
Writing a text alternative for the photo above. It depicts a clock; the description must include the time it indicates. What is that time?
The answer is 7:34:10
